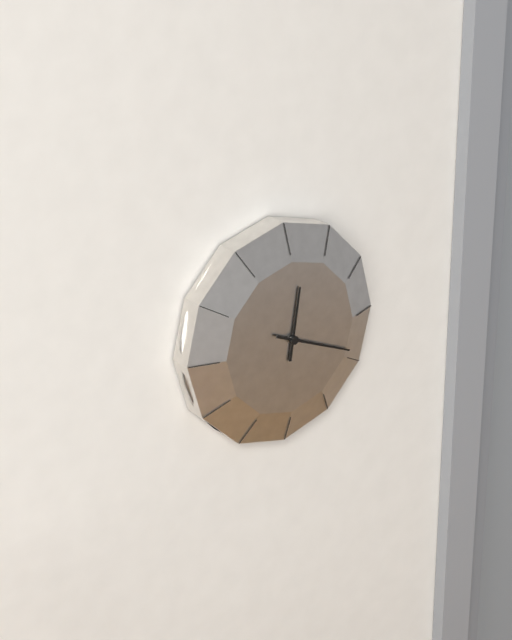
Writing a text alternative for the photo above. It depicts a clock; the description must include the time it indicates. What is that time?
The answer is 12:19
